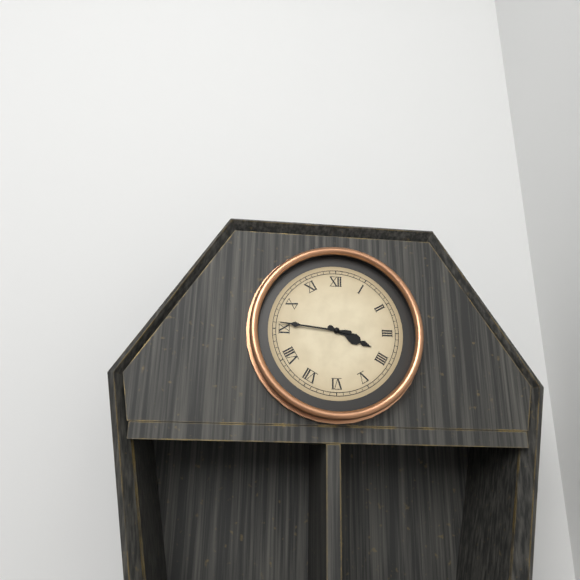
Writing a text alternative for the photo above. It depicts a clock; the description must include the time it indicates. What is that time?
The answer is 3:46
